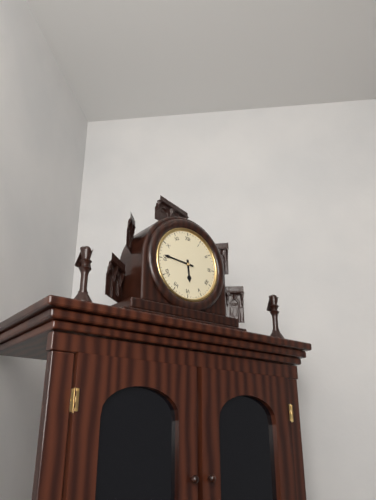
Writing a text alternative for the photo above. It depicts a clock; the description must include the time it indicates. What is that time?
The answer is 5:46
